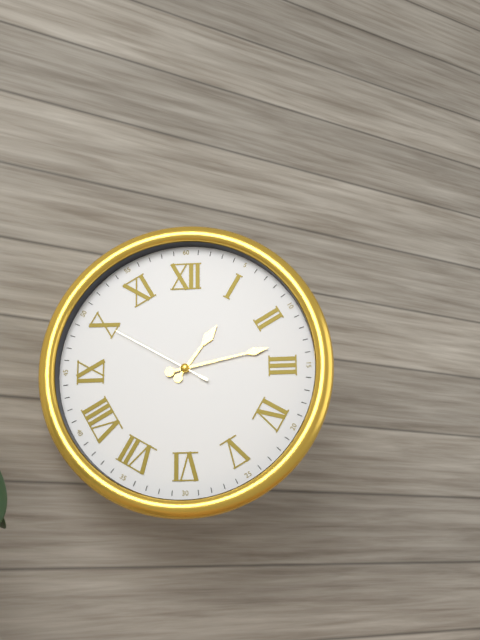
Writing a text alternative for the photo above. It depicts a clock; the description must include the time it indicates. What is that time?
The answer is 1:13:50
